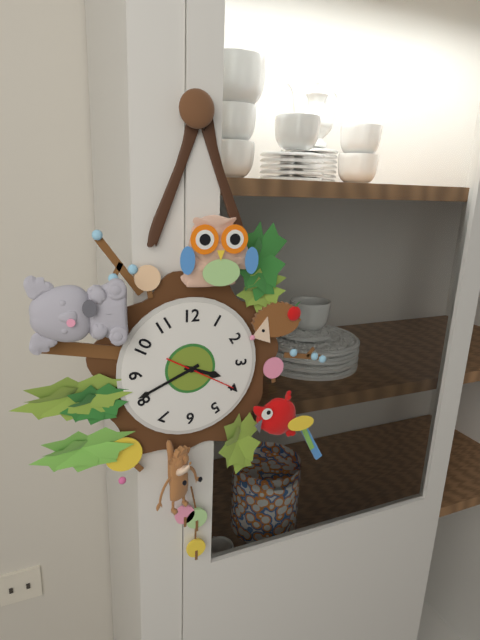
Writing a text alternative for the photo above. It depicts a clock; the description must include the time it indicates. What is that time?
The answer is 3:41:20
